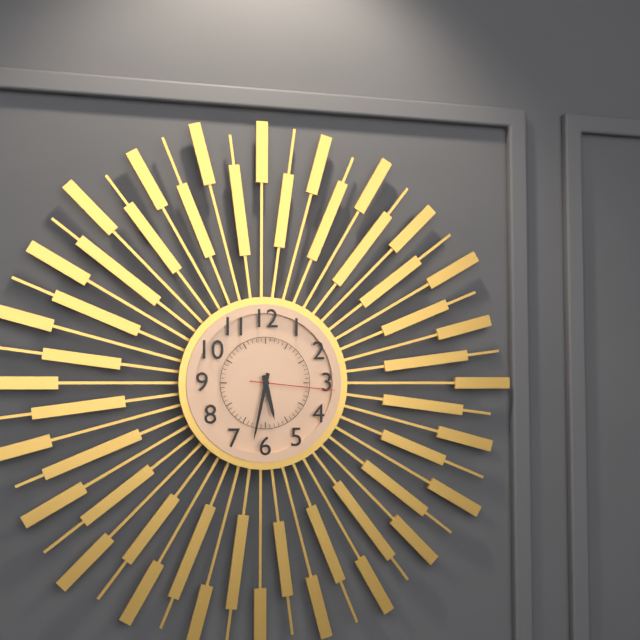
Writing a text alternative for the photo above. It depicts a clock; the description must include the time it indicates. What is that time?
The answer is 5:32:16
